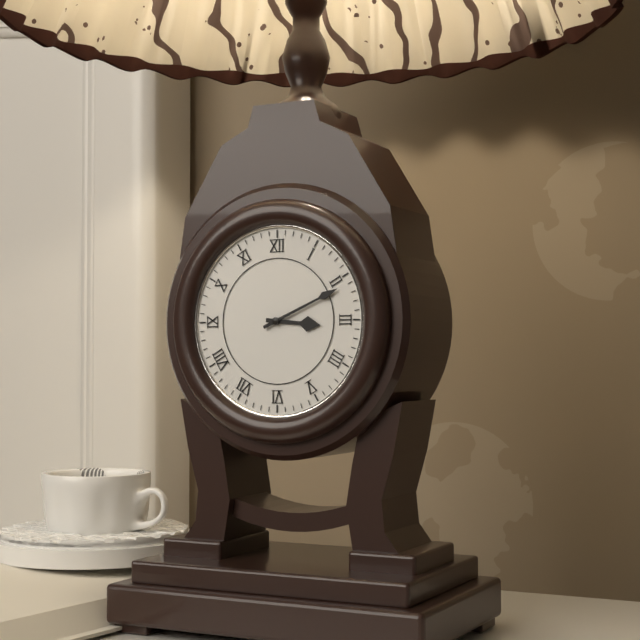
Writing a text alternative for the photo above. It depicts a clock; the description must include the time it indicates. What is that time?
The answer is 3:11
